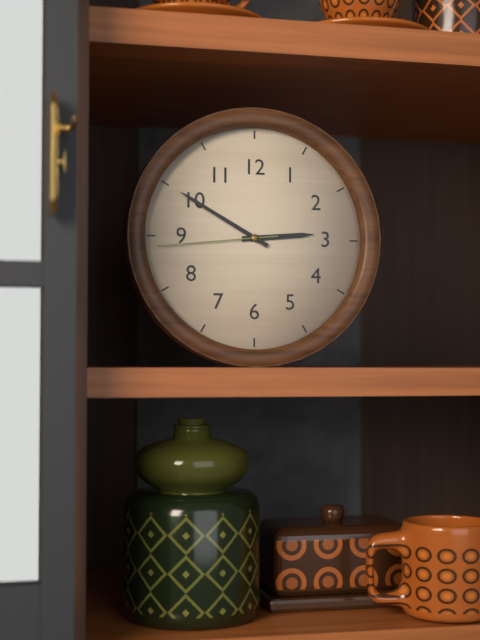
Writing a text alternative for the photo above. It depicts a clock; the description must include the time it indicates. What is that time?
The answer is 2:50:44
